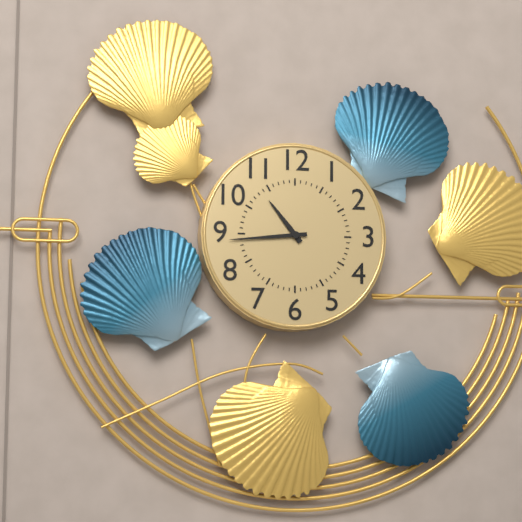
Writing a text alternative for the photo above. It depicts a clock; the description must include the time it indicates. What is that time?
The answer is 10:44
